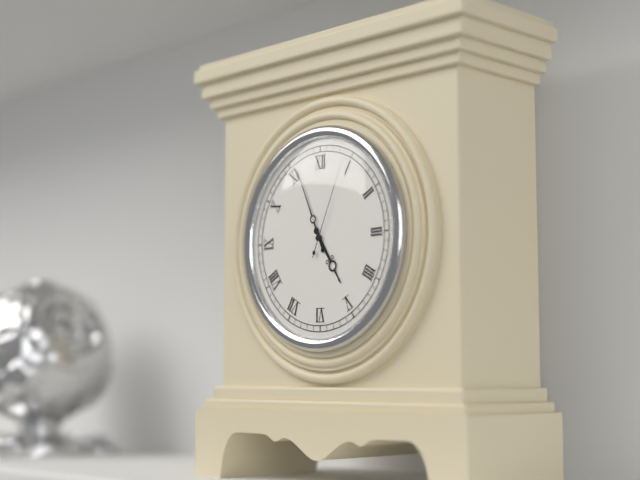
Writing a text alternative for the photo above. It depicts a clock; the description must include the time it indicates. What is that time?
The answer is 4:56:04
